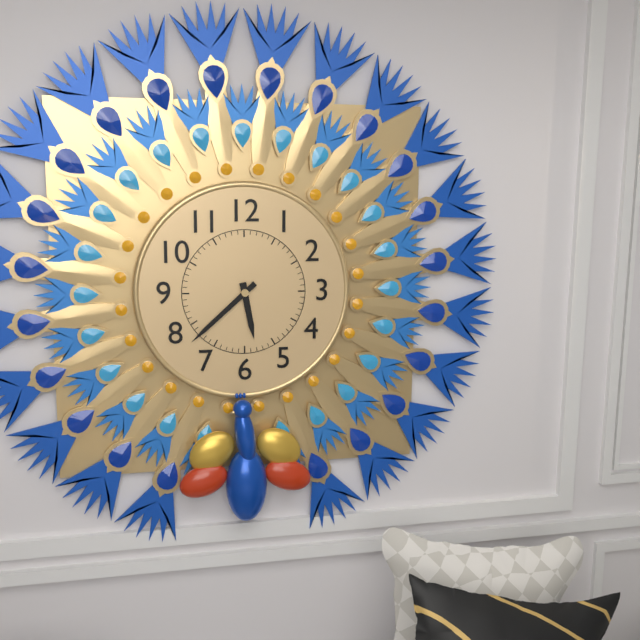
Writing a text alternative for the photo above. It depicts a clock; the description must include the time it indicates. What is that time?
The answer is 5:38
